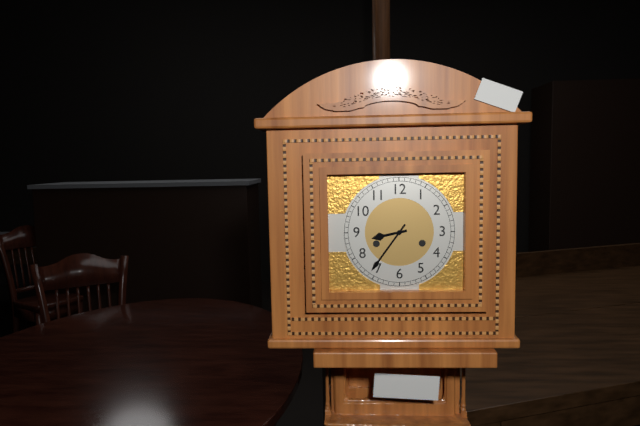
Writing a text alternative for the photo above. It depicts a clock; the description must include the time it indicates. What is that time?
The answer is 8:36
